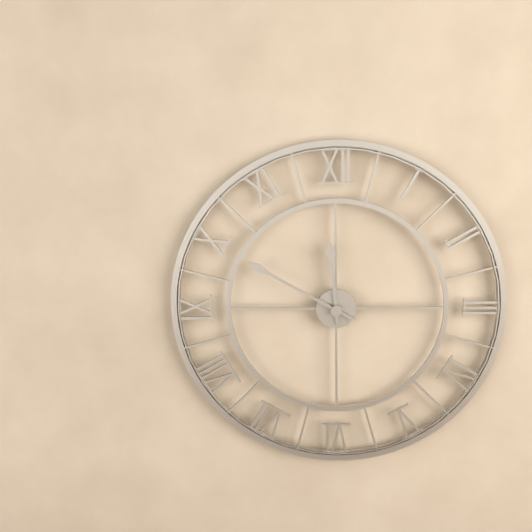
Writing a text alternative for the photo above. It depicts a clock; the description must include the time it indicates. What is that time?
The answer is 11:50
